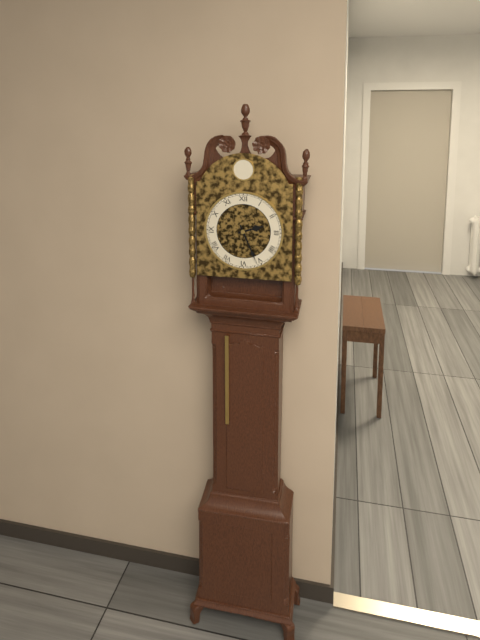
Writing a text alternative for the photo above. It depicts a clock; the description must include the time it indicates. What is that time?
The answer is 2:26
